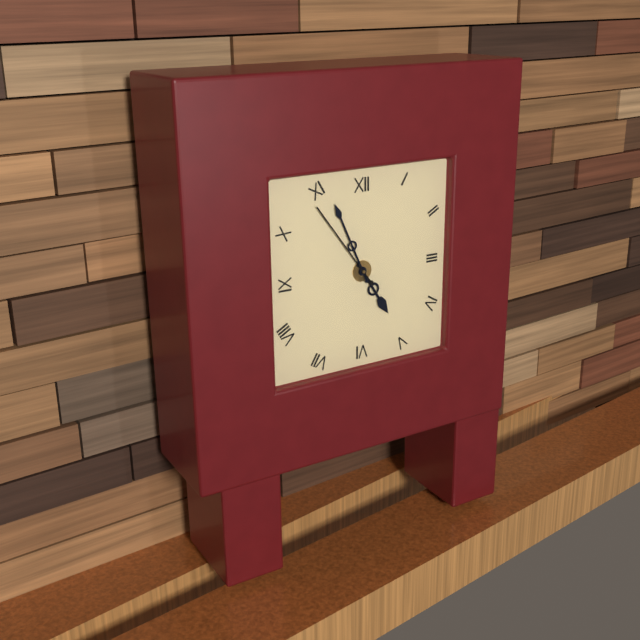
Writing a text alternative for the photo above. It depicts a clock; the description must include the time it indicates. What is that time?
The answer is 4:56:54
